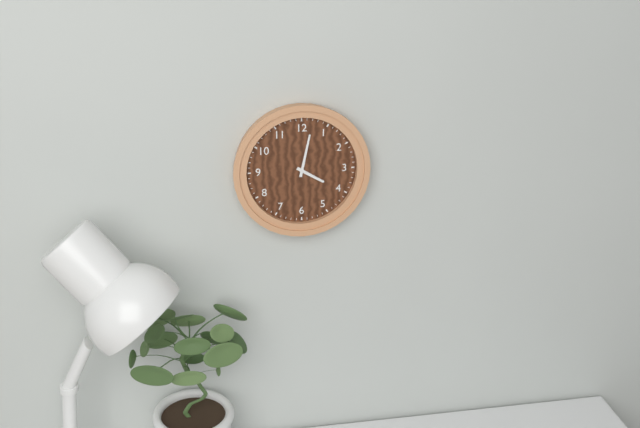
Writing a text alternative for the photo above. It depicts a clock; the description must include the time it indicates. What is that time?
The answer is 4:02
